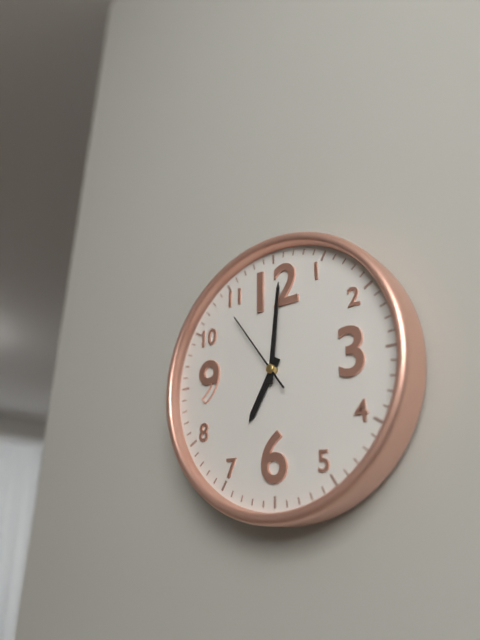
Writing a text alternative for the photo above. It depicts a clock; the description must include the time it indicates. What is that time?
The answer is 7:01:54
